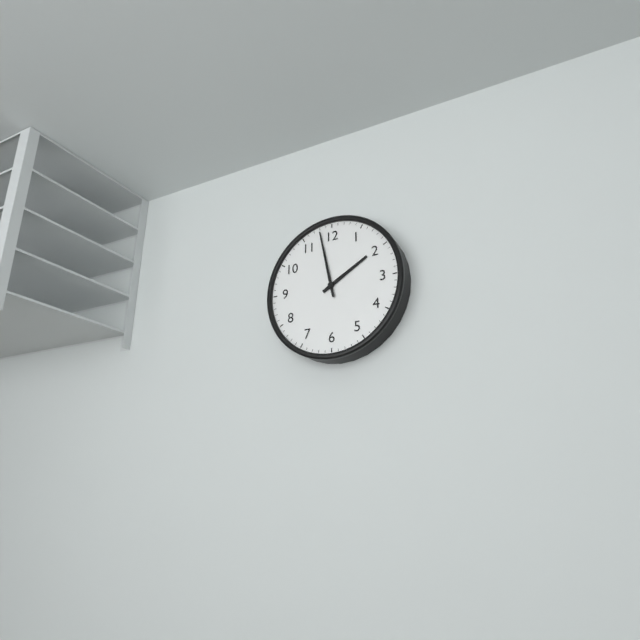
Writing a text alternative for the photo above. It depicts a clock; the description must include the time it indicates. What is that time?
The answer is 1:58
